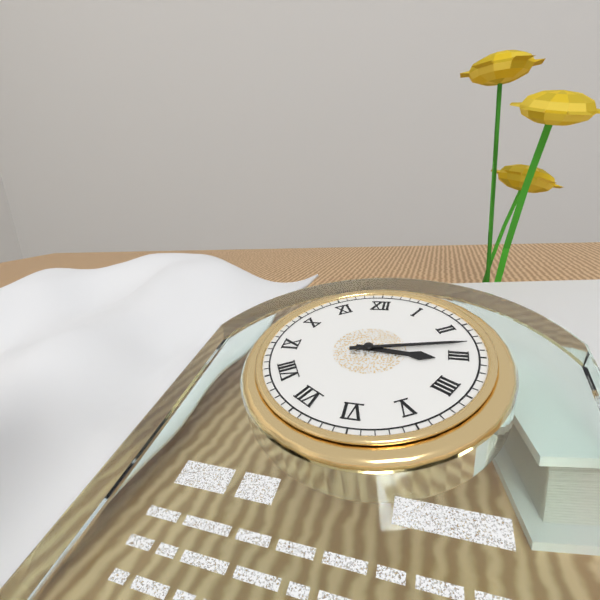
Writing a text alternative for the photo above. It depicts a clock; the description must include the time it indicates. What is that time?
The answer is 3:13
